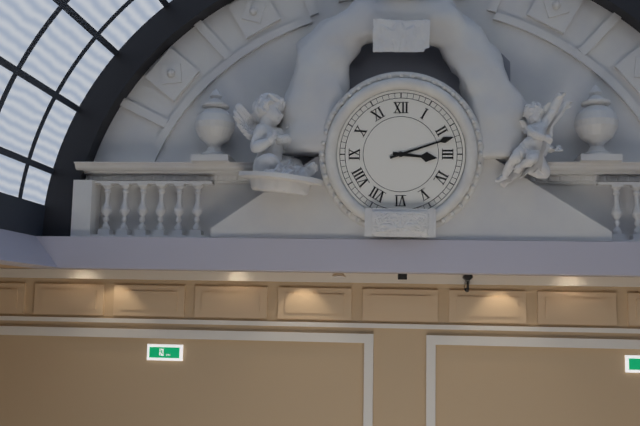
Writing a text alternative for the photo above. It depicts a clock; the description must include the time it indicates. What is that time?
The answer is 3:12
